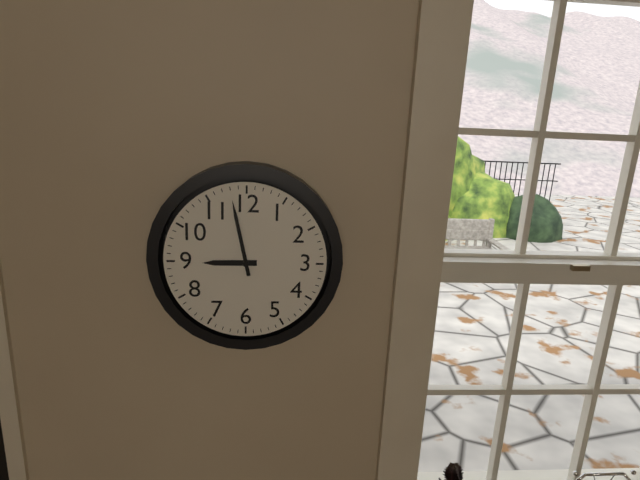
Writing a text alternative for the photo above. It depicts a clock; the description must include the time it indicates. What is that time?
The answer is 8:58
